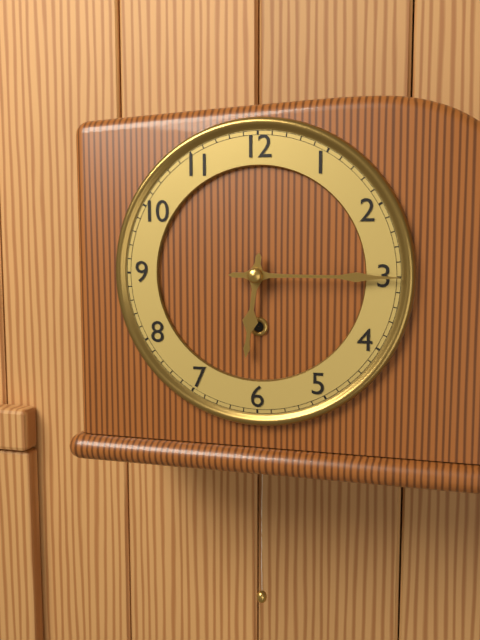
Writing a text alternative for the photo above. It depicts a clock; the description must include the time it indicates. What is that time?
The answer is 6:15
